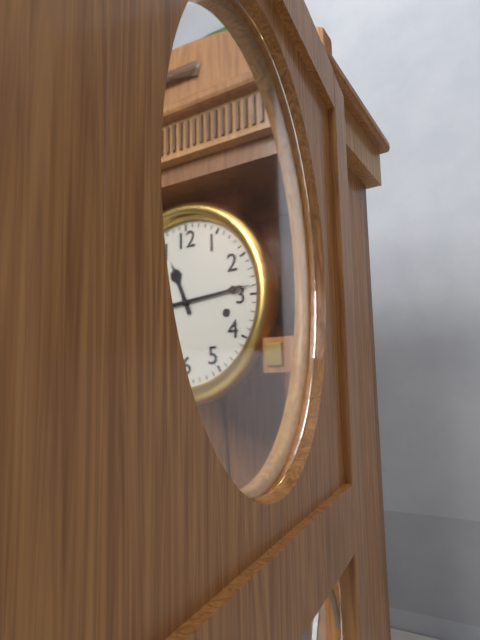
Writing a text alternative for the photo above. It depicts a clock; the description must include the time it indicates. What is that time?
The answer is 11:14
